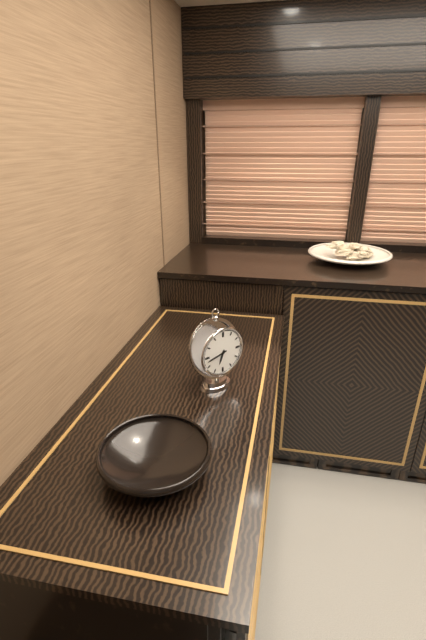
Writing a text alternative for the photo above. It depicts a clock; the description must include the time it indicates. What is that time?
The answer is 6:43
